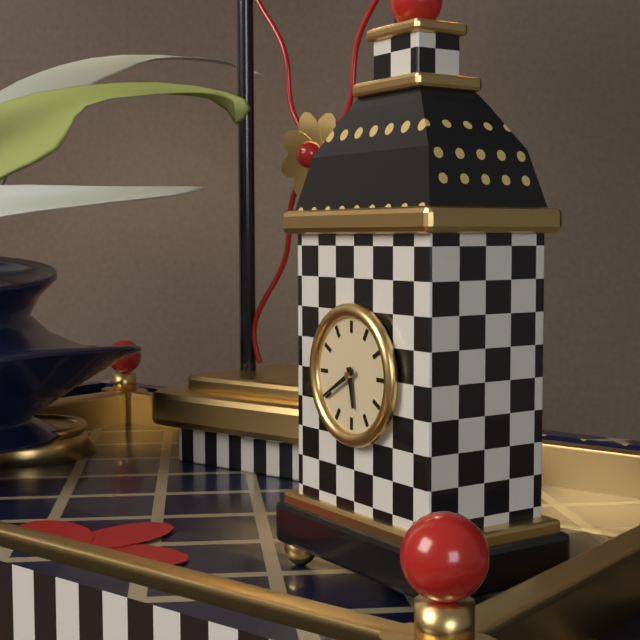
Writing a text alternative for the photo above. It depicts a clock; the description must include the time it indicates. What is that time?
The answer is 5:40
